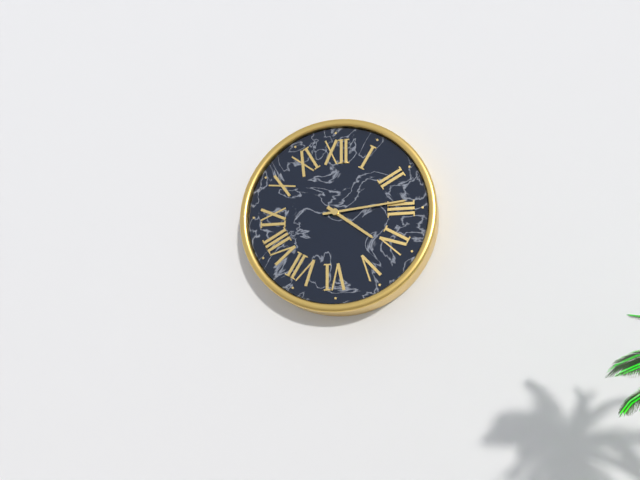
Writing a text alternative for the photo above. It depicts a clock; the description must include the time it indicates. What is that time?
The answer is 4:14
